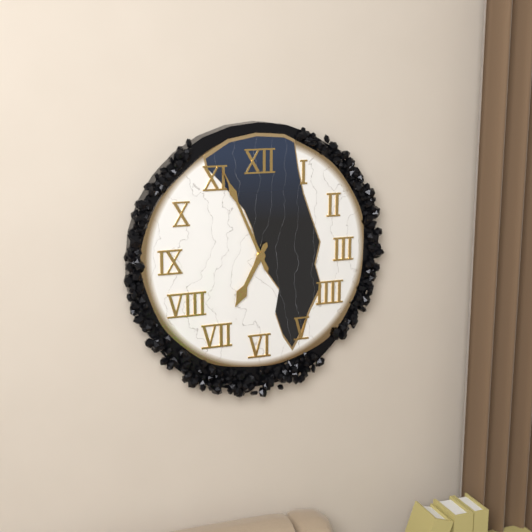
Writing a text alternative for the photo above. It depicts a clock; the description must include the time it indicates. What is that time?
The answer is 6:56
